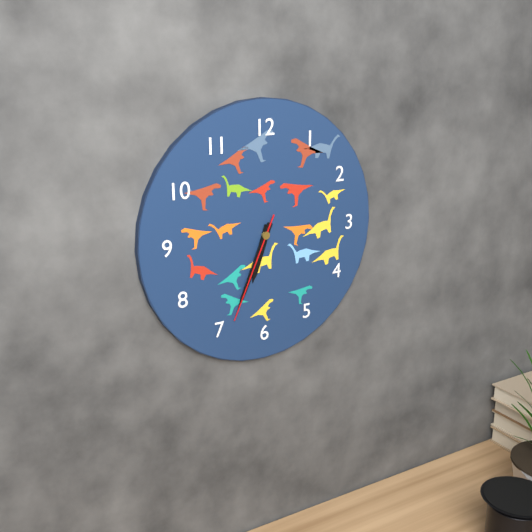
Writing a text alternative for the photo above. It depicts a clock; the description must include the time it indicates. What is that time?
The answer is 6:34:34
